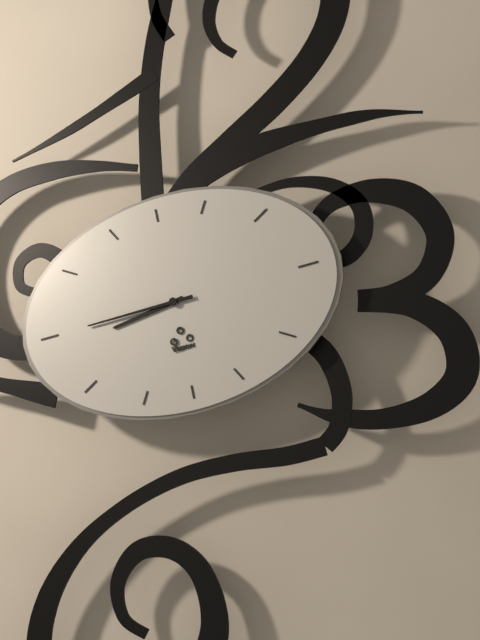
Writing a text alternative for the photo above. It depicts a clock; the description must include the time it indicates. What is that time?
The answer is 8:45
